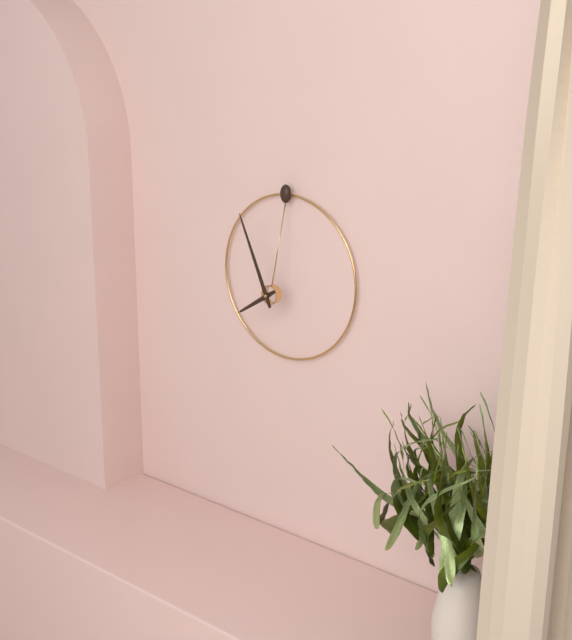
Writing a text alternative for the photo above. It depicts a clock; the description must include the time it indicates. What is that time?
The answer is 7:56
